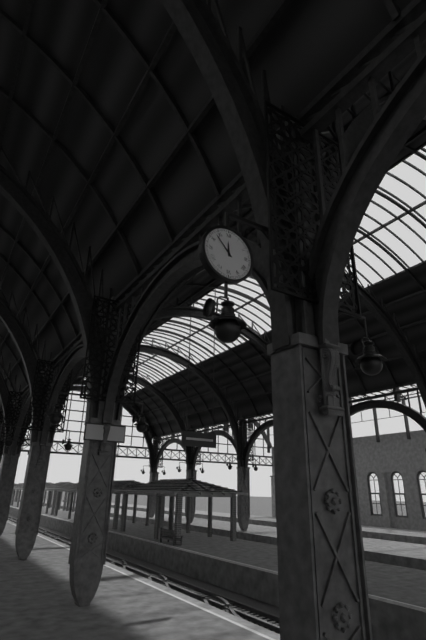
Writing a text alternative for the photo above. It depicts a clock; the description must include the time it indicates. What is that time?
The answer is 11:53
